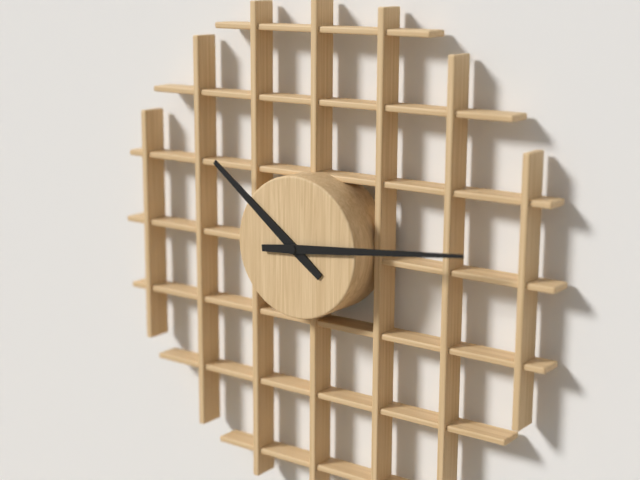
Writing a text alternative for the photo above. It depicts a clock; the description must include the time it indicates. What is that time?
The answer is 10:14
